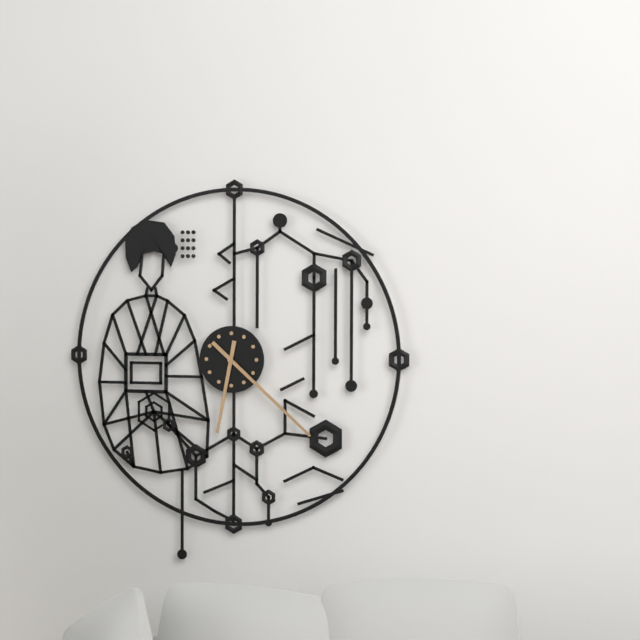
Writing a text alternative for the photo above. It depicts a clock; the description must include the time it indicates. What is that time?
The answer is 6:22
